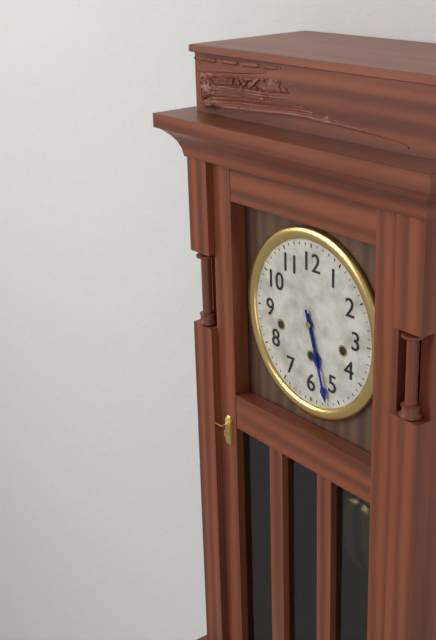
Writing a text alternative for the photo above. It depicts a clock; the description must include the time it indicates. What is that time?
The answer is 5:27
